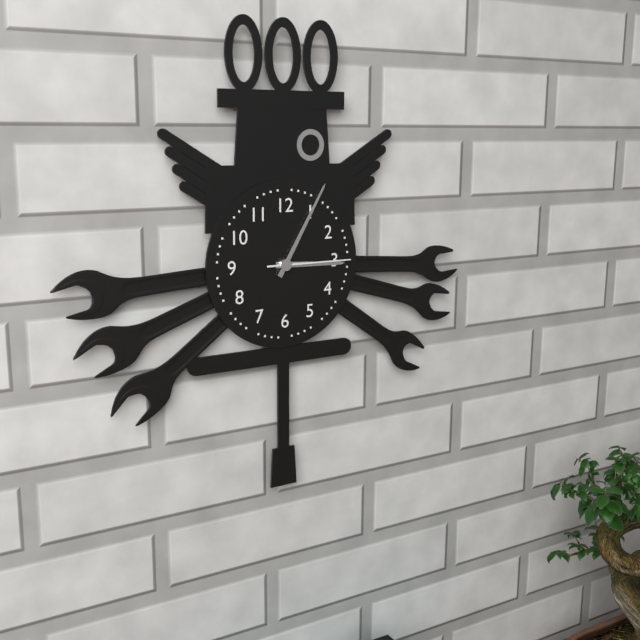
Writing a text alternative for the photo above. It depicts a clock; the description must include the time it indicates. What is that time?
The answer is 3:05:15
